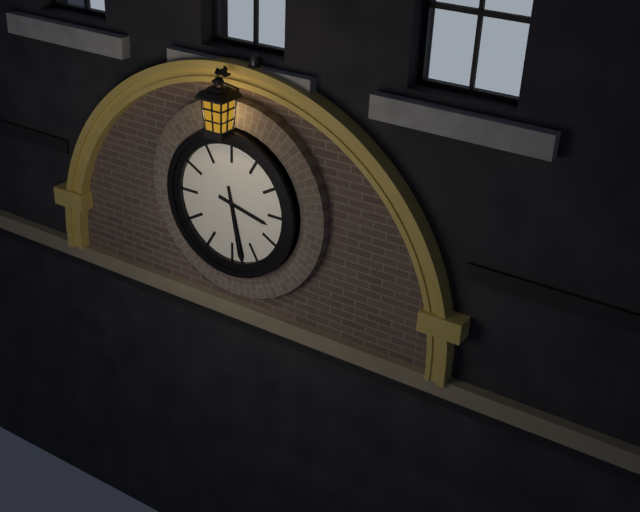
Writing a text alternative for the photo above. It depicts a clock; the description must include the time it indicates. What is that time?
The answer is 3:28
